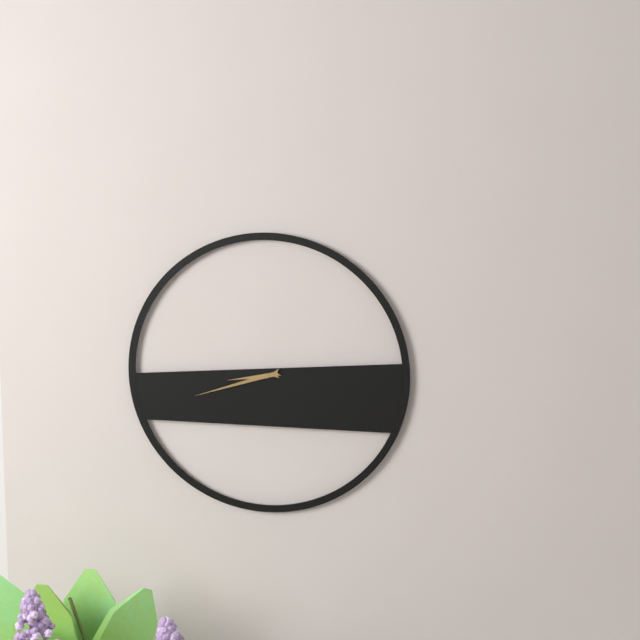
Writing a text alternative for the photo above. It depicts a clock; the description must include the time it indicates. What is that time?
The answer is 8:42
